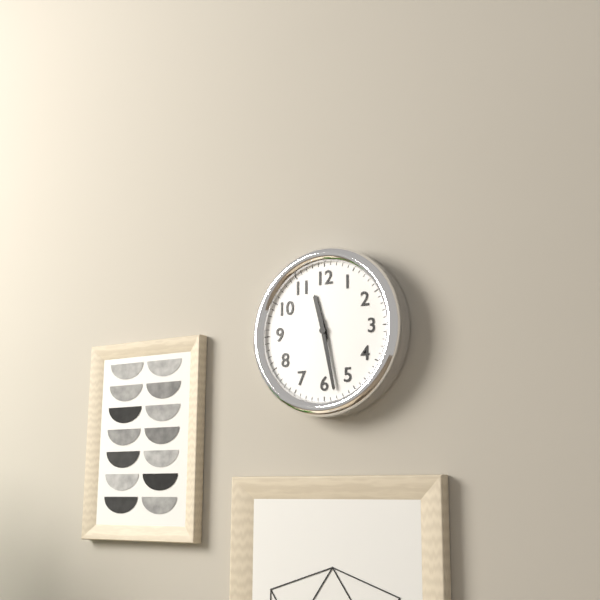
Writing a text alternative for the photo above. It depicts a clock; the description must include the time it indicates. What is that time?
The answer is 11:28
